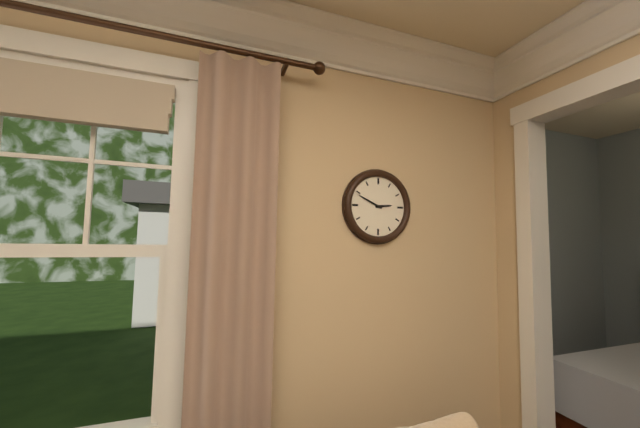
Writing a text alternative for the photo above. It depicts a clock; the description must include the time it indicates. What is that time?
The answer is 2:49
